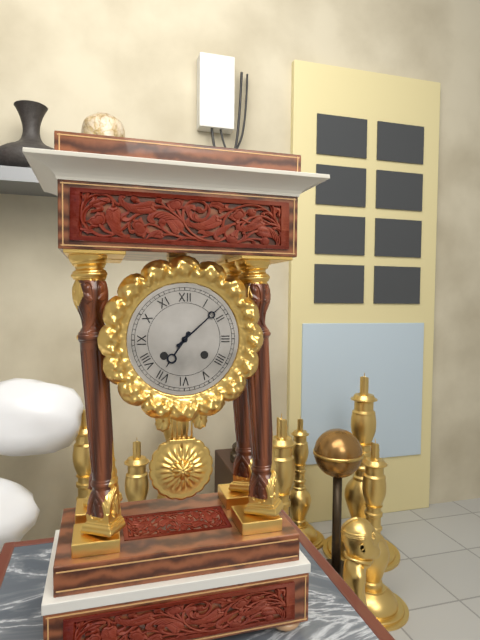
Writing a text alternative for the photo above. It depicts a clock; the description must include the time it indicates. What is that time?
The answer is 7:08
